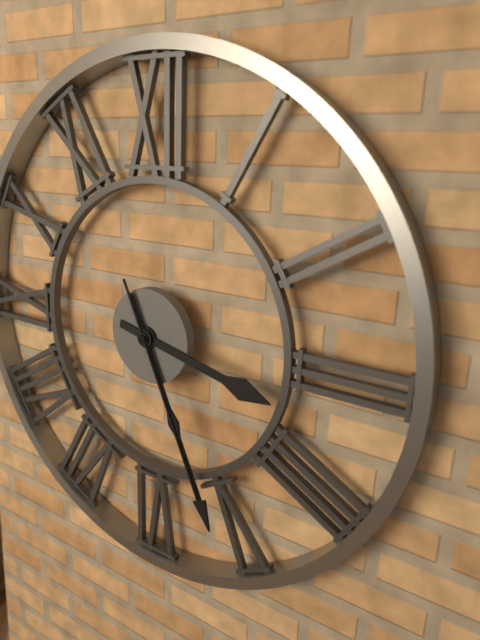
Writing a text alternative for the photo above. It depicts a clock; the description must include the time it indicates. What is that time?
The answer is 3:26:26
